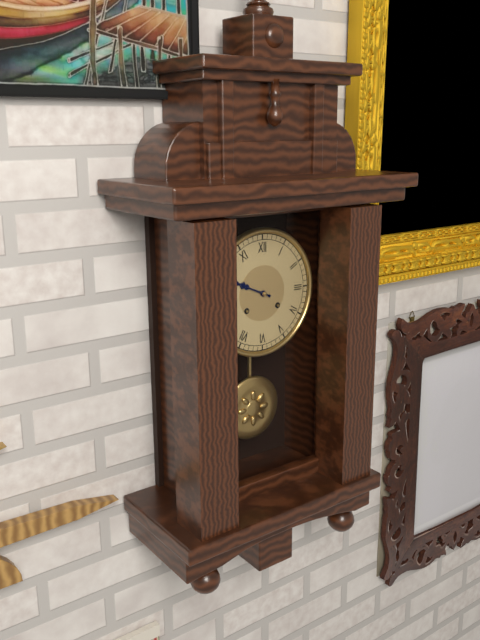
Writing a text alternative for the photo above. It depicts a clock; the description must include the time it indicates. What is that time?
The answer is 9:49
